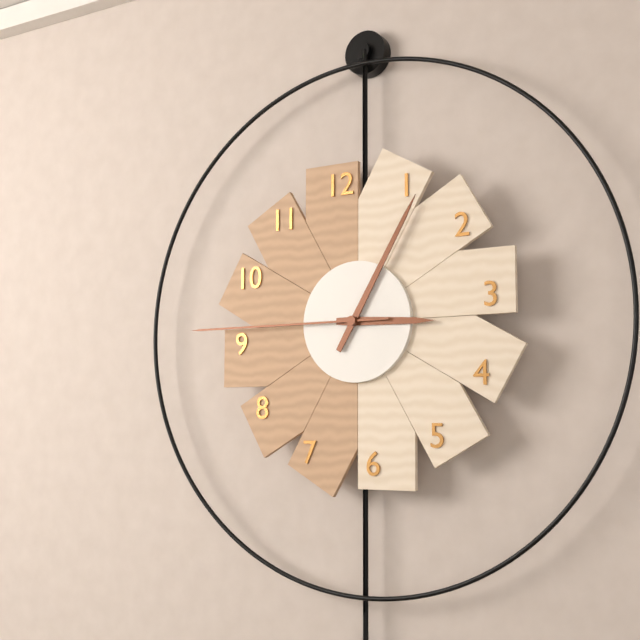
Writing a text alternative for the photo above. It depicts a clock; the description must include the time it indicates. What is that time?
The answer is 3:05:45
